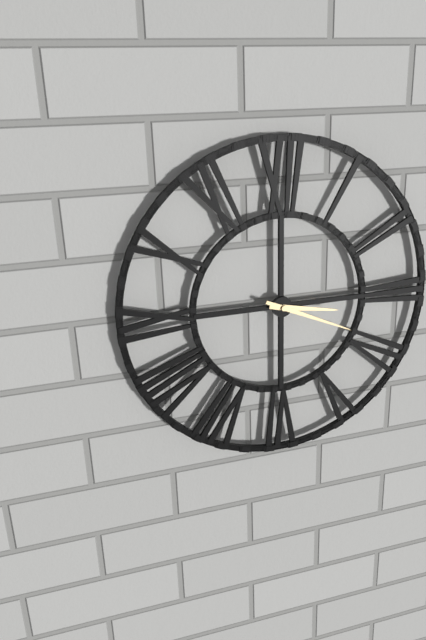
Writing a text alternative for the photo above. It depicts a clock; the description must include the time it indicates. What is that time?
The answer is 3:19
